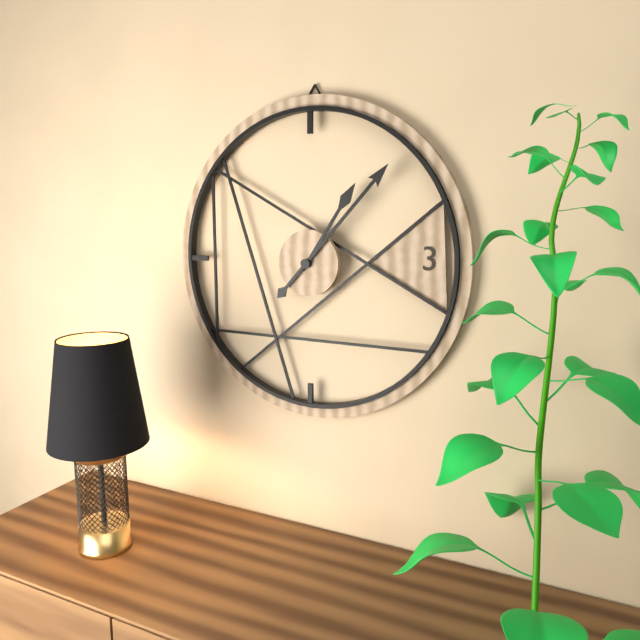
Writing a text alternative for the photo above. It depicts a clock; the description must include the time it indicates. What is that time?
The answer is 1:07
